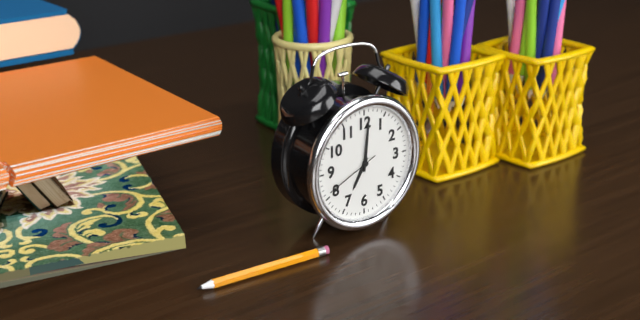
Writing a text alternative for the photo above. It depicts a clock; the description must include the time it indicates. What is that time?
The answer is 7:01:41
